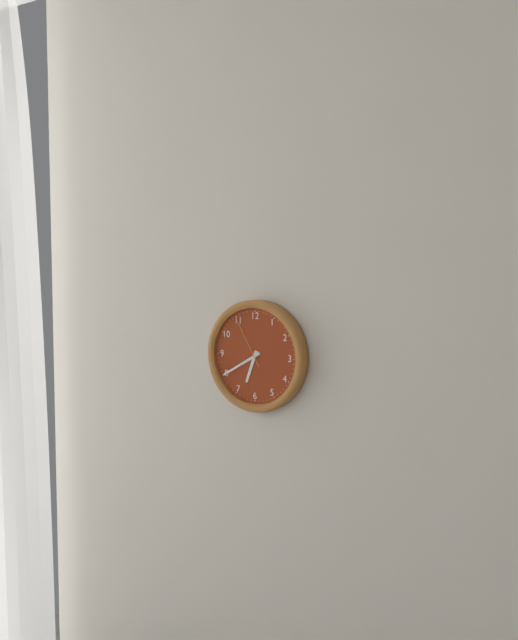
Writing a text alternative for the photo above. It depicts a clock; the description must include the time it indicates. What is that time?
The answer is 6:40:55
